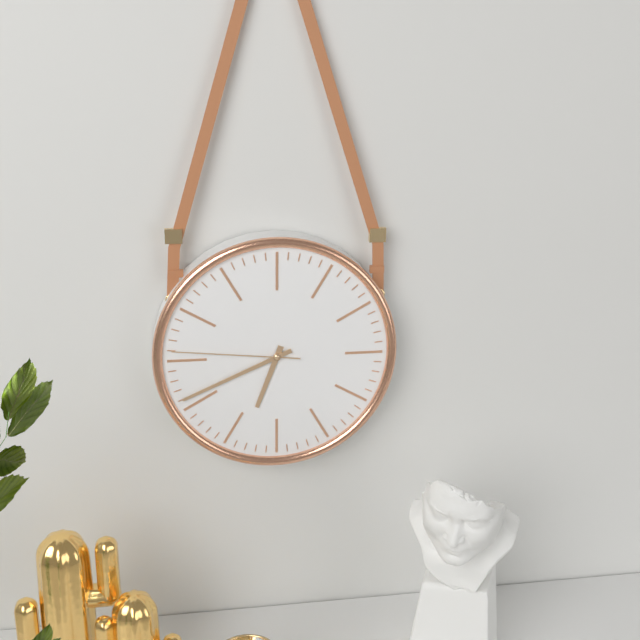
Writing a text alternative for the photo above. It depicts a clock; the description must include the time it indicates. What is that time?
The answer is 6:41:46
